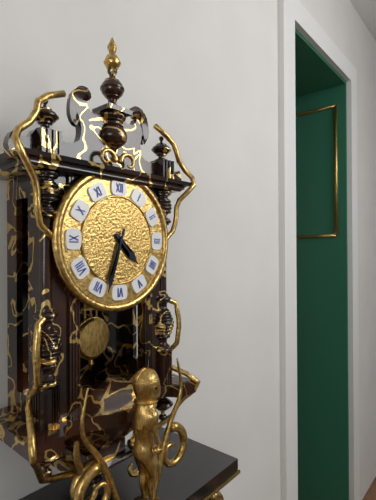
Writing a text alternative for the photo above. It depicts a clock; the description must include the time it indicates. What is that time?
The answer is 4:33
